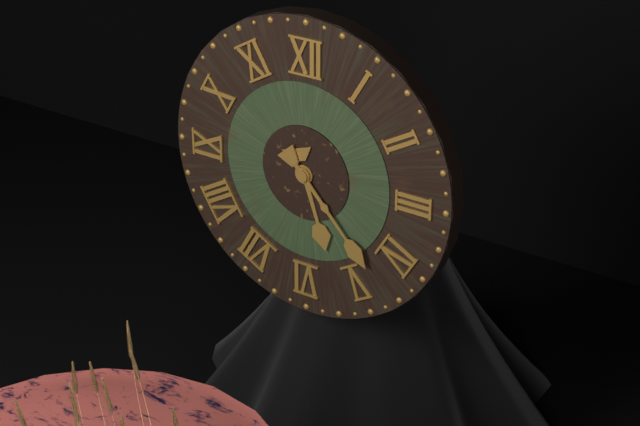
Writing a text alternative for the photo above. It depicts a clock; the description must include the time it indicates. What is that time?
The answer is 5:23
